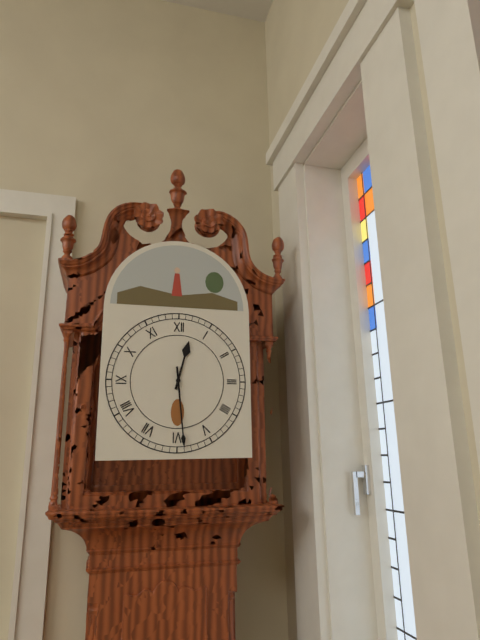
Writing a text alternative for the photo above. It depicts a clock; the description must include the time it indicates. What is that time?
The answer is 12:29
